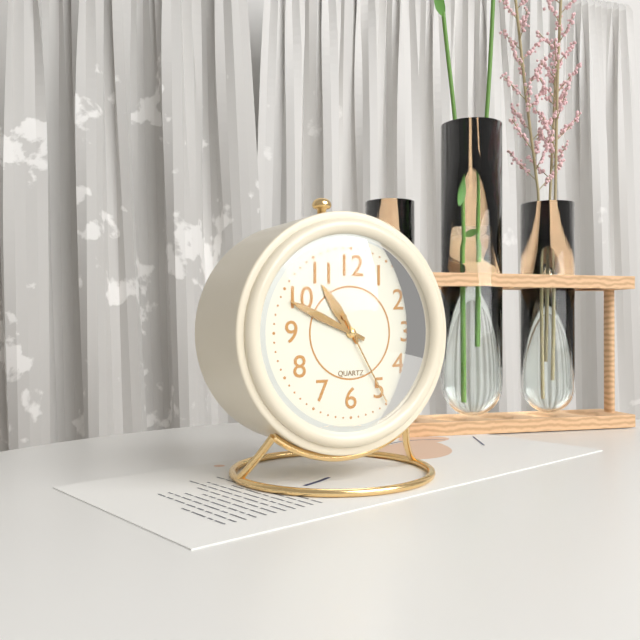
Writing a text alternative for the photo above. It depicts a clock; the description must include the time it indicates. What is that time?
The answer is 10:49:25
